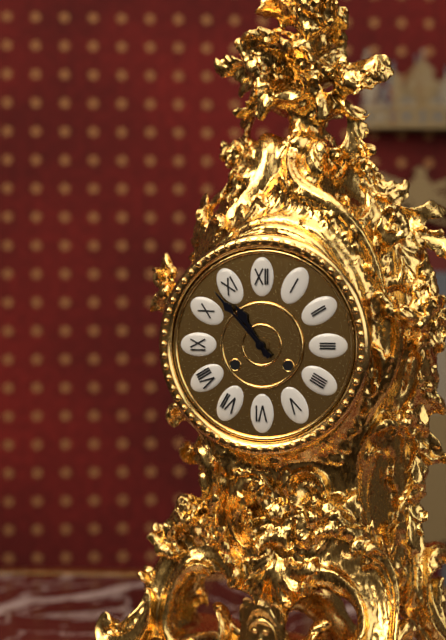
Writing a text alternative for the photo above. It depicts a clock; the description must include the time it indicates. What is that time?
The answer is 10:53
